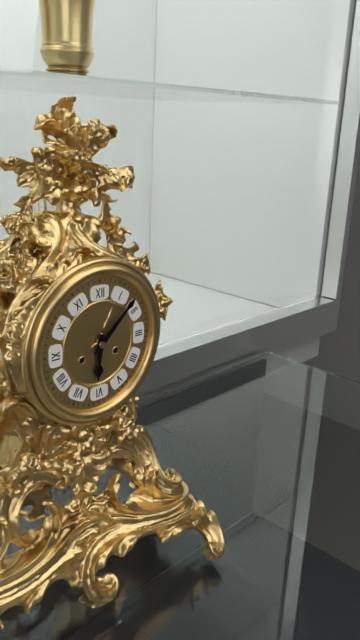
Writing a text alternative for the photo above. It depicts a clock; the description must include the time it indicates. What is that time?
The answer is 6:08
